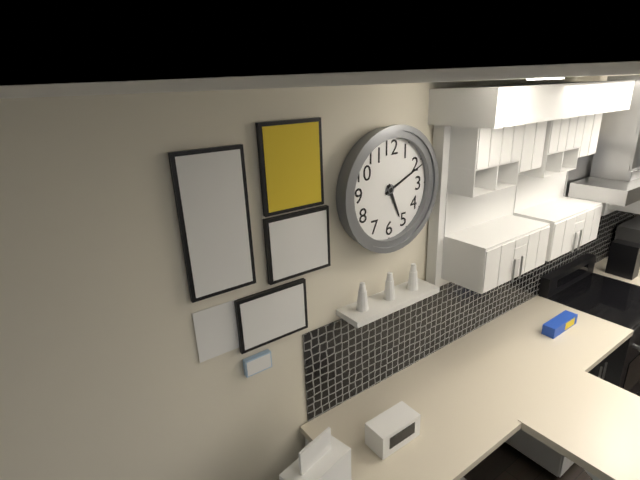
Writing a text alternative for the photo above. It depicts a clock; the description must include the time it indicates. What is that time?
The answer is 5:11
